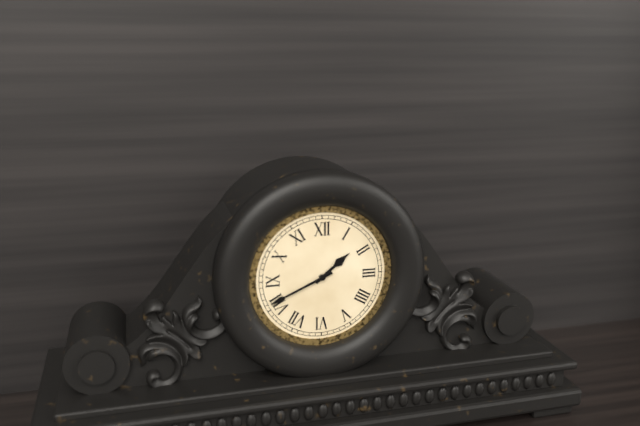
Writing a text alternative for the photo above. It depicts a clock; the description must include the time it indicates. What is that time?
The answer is 1:41
